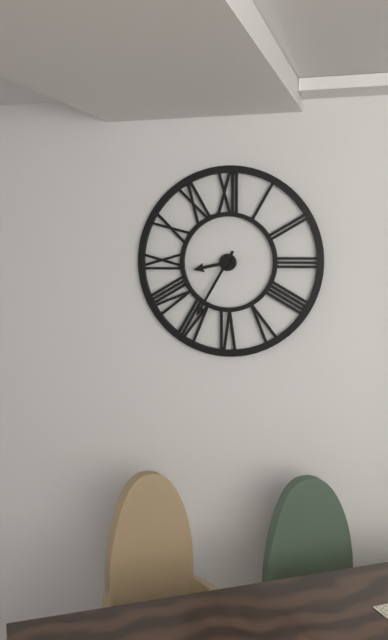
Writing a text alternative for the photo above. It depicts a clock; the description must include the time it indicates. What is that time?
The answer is 8:35
